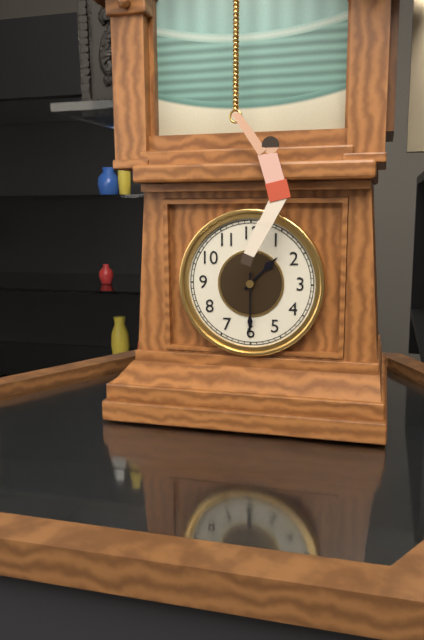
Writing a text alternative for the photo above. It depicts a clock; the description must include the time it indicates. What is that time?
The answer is 1:30
